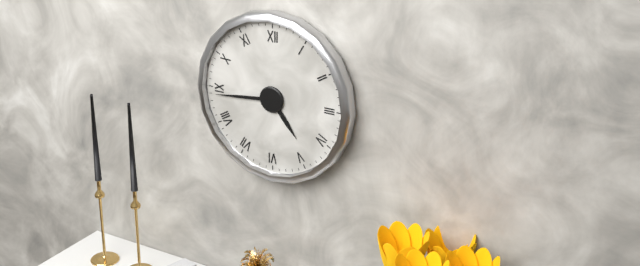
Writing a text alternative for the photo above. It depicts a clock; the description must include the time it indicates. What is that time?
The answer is 4:44
